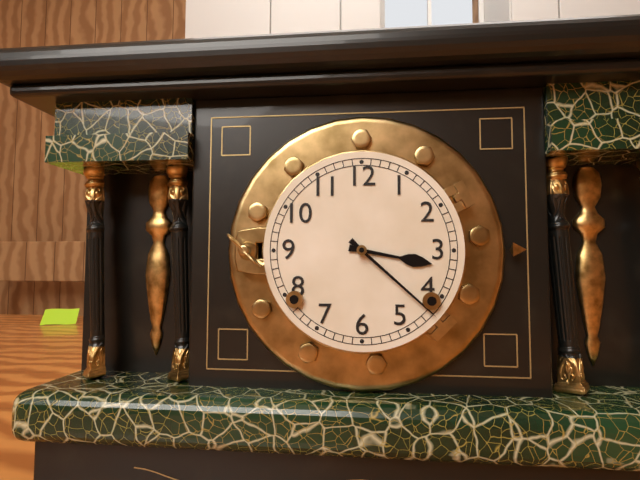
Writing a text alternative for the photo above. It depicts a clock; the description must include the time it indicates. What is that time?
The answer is 3:22
